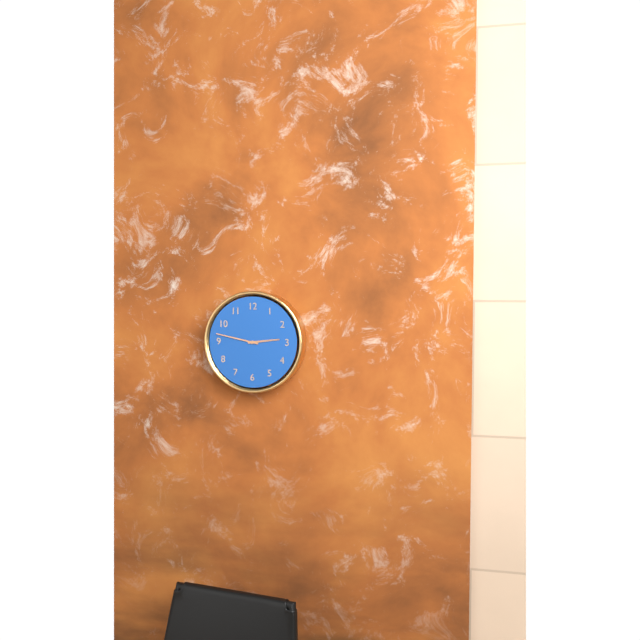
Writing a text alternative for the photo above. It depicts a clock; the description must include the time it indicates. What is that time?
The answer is 2:47
